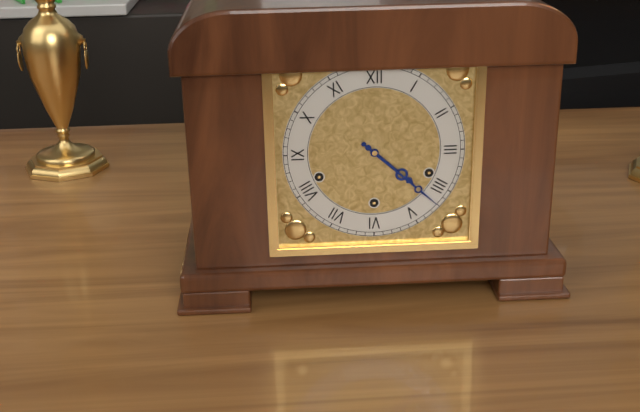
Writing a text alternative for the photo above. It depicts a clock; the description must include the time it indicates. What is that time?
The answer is 4:22
